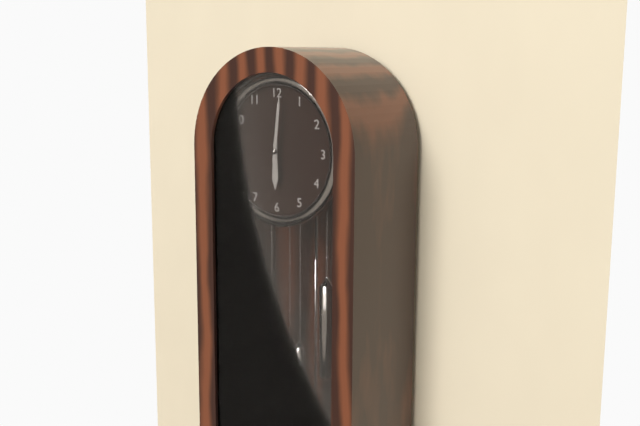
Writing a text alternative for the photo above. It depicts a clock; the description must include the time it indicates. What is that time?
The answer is 6:01
